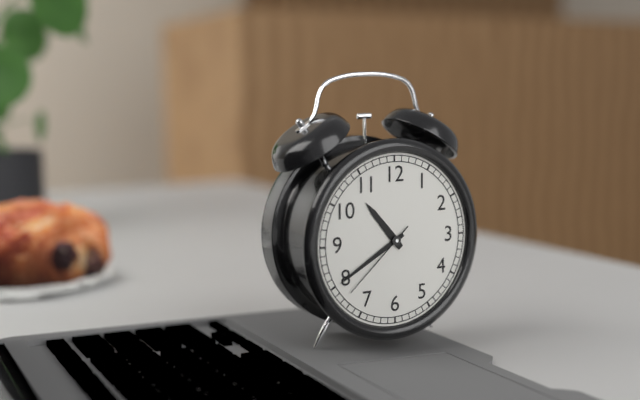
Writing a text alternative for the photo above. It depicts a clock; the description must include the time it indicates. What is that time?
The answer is 10:40:38
